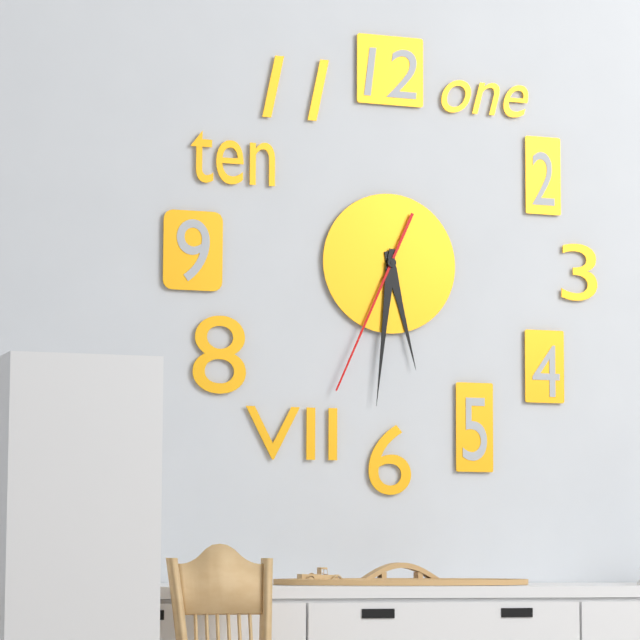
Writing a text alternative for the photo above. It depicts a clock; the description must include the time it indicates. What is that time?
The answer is 5:31:34
